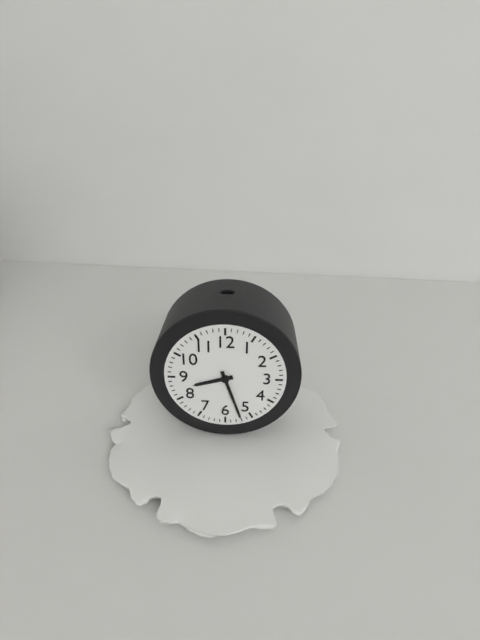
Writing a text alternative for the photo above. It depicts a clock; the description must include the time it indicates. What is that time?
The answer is 8:27
